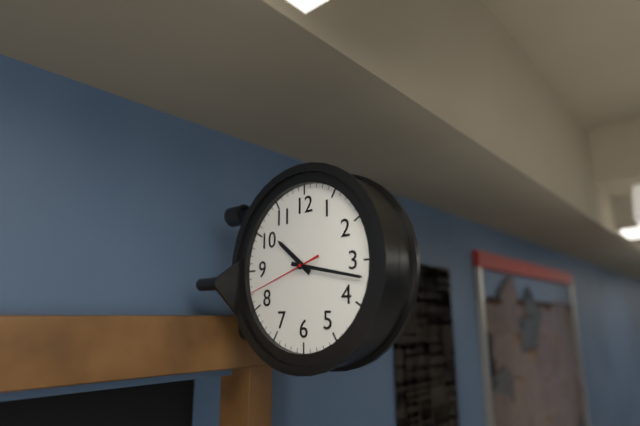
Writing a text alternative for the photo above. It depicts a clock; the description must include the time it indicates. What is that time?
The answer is 10:17:42
